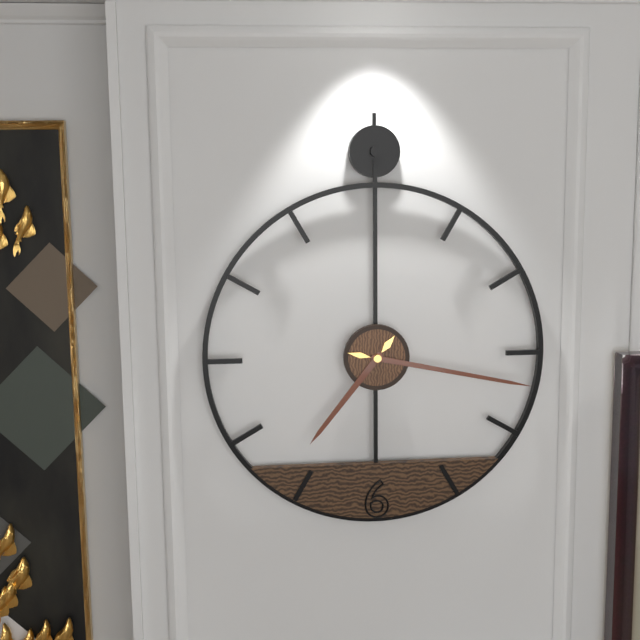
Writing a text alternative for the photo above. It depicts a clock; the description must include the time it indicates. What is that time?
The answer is 7:17
